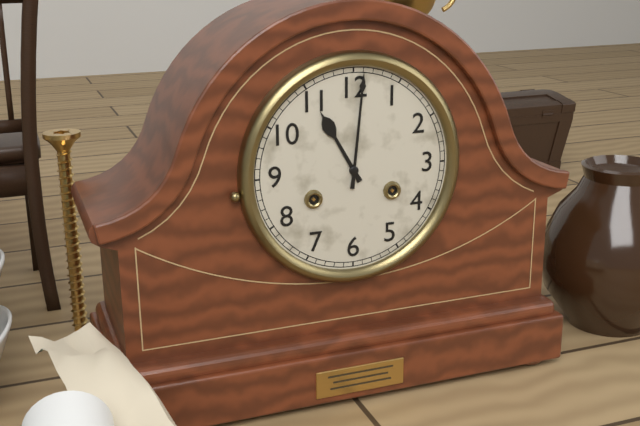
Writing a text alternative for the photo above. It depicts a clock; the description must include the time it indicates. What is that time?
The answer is 11:01
